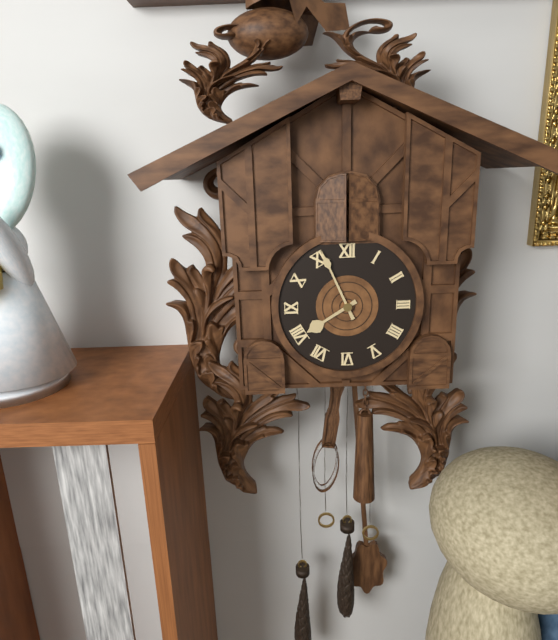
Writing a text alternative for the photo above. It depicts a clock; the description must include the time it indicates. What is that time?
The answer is 7:56
